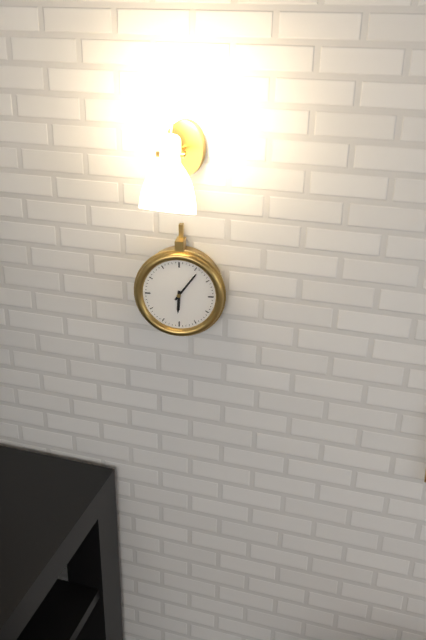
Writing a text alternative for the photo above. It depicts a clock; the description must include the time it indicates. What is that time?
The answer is 6:06
